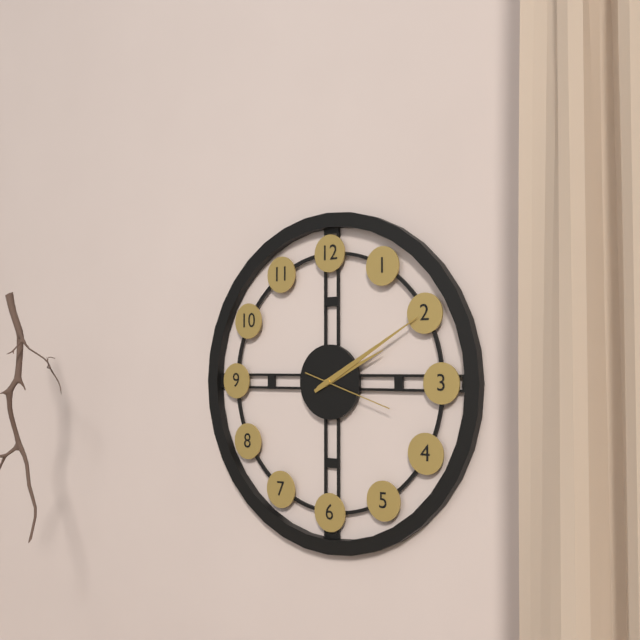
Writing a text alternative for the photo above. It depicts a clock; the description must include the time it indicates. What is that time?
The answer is 2:10:18
